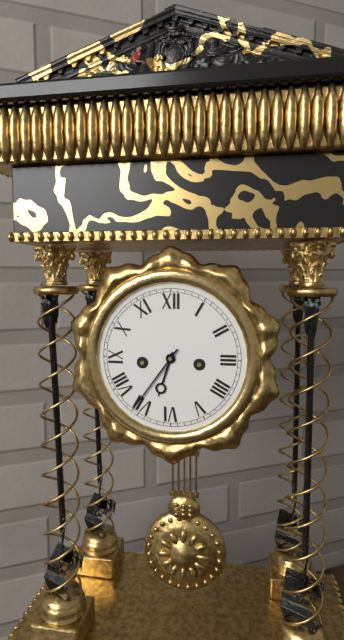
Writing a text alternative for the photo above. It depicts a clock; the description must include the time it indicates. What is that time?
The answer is 6:36
